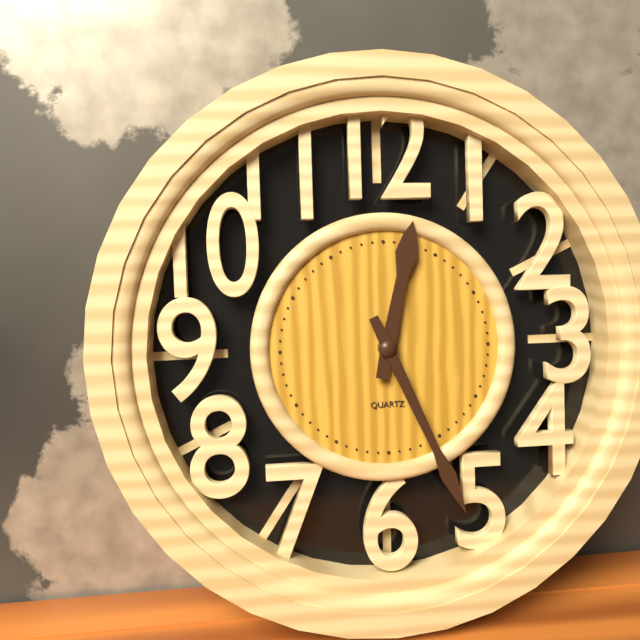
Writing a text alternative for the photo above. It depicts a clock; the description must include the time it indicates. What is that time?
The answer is 12:26
